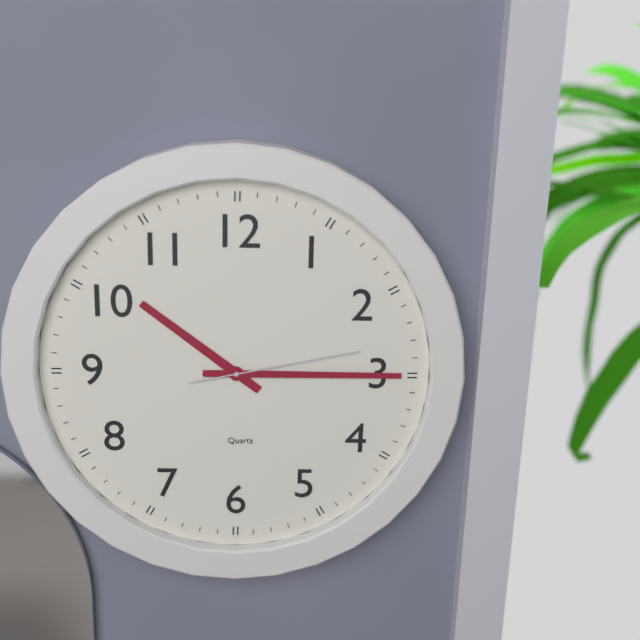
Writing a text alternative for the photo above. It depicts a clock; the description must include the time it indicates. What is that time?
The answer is 10:15:13
